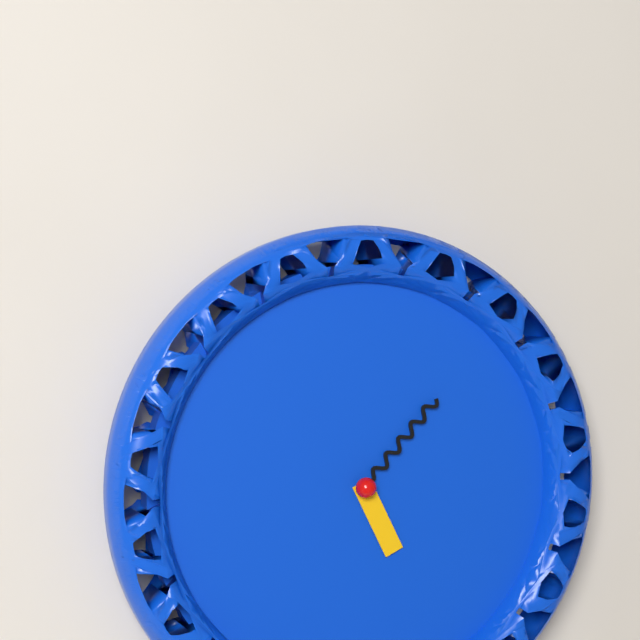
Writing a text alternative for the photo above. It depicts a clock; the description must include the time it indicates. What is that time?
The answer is 5:07
